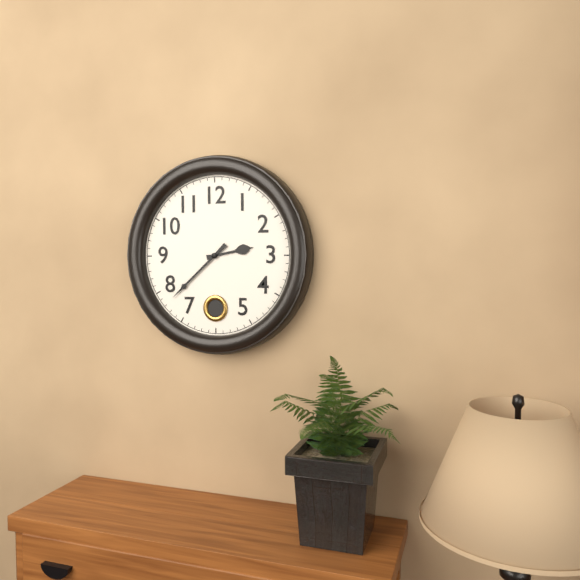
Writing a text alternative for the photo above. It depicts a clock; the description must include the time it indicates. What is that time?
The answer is 2:38
